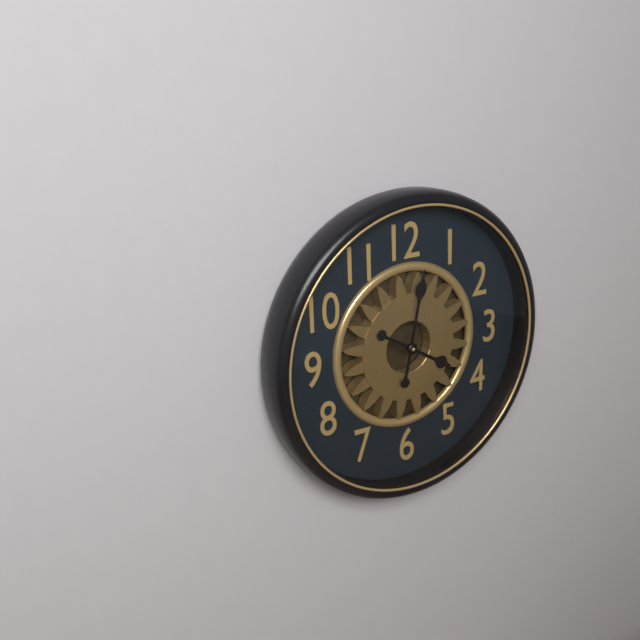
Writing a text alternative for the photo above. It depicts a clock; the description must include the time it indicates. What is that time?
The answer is 4:02
